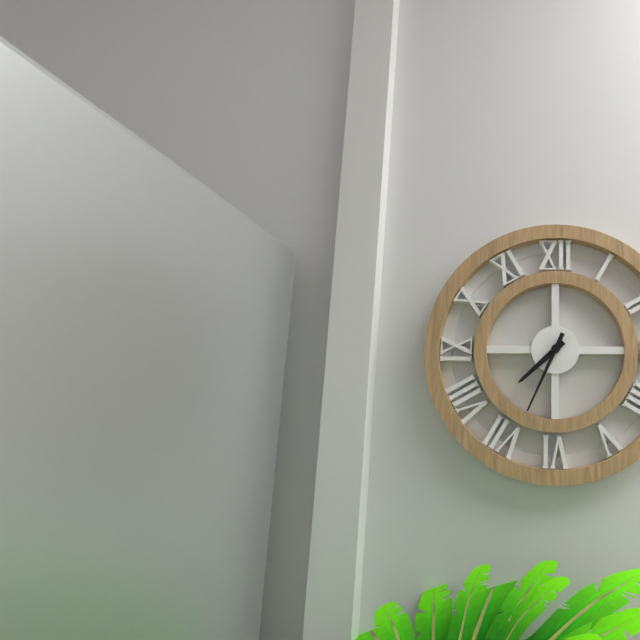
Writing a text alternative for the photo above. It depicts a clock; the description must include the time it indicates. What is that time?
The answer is 7:34
